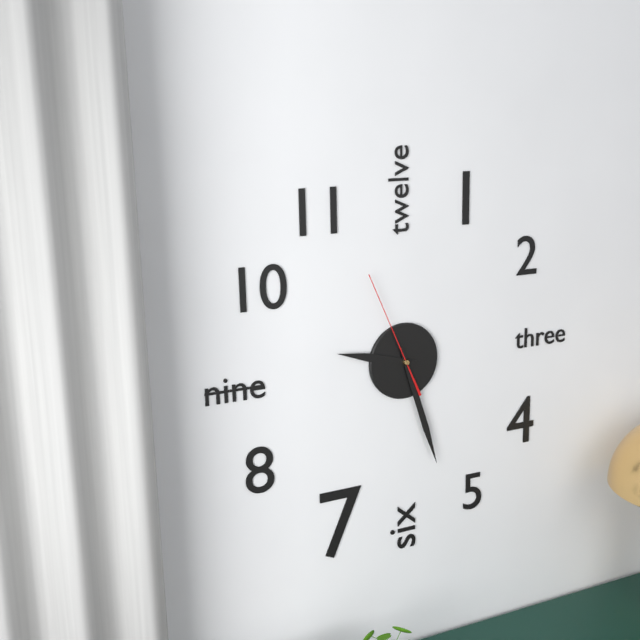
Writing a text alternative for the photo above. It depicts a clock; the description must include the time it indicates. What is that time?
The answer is 9:27:56
